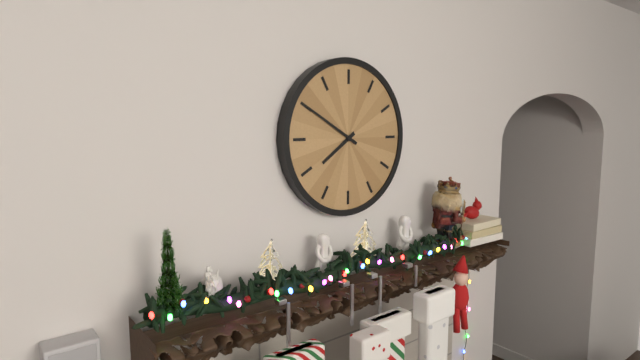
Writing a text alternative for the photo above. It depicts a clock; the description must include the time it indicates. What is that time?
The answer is 7:50
